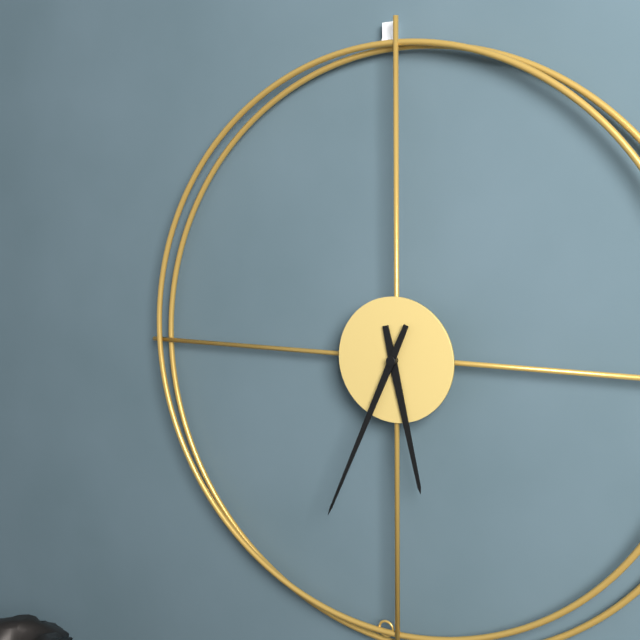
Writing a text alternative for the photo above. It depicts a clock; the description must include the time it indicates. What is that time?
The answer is 5:34
